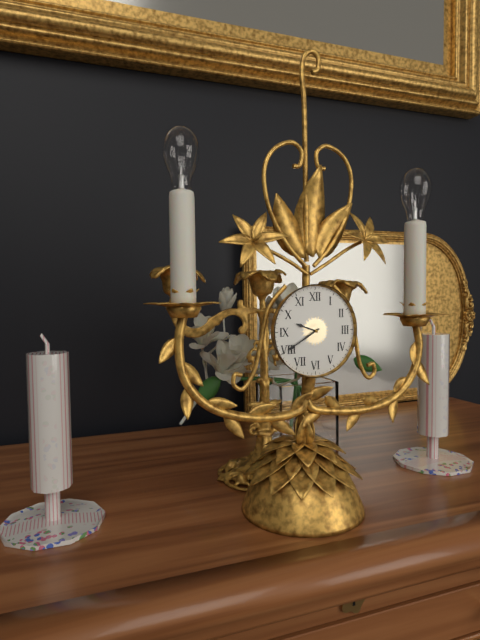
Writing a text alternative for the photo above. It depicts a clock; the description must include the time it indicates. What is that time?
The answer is 9:40
